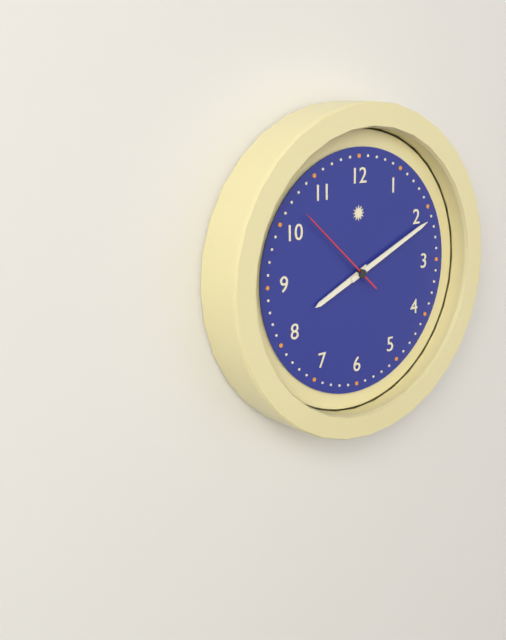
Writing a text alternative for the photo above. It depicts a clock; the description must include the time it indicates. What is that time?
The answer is 8:11:52
